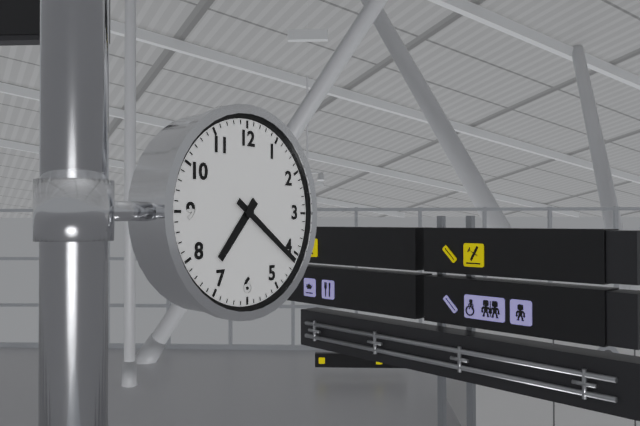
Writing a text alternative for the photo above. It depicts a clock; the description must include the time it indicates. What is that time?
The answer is 7:21
